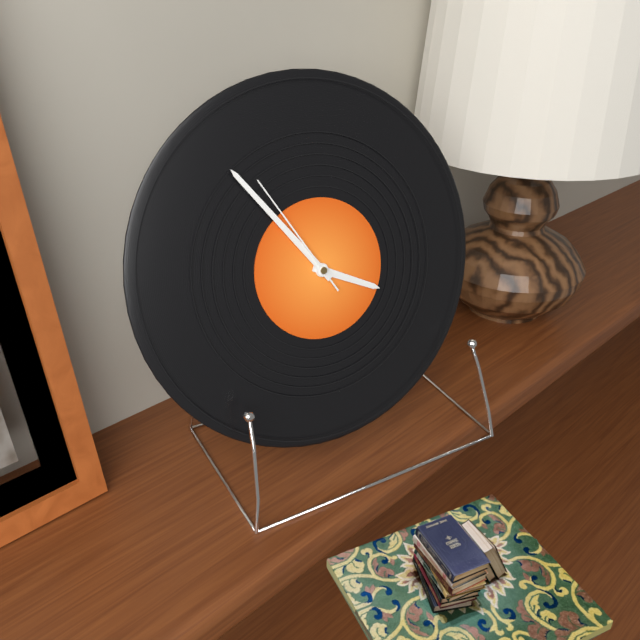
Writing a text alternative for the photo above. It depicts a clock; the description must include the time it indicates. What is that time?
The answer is 3:54:55
